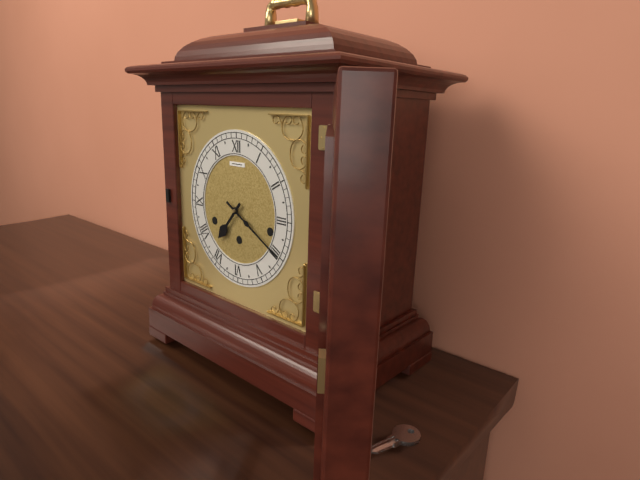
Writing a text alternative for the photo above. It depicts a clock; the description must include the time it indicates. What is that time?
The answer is 7:20
